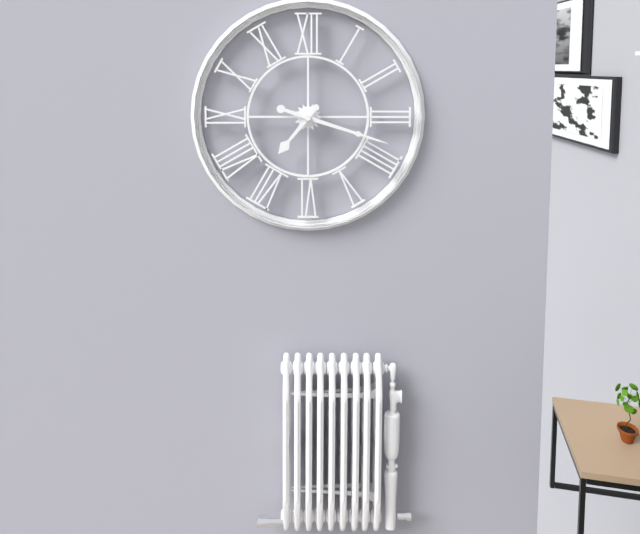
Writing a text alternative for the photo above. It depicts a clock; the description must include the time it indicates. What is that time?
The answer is 7:18
